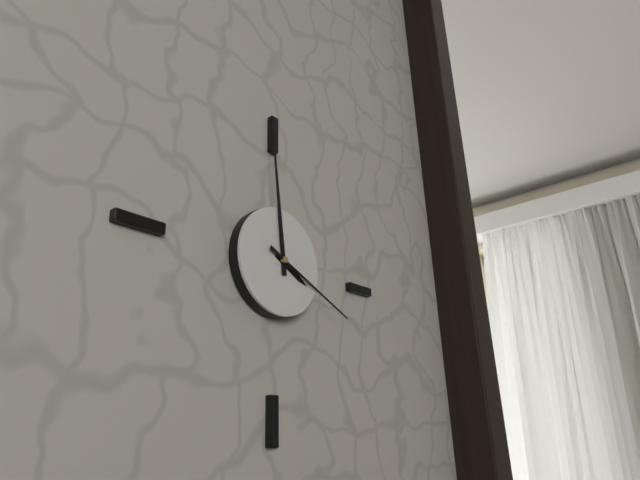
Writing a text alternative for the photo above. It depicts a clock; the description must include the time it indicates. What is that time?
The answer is 3:59:19
